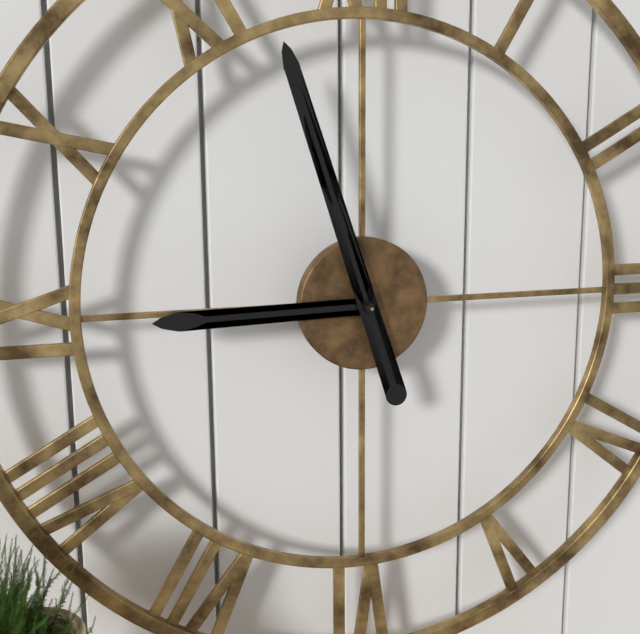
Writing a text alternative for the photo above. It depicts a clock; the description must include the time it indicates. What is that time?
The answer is 8:57
